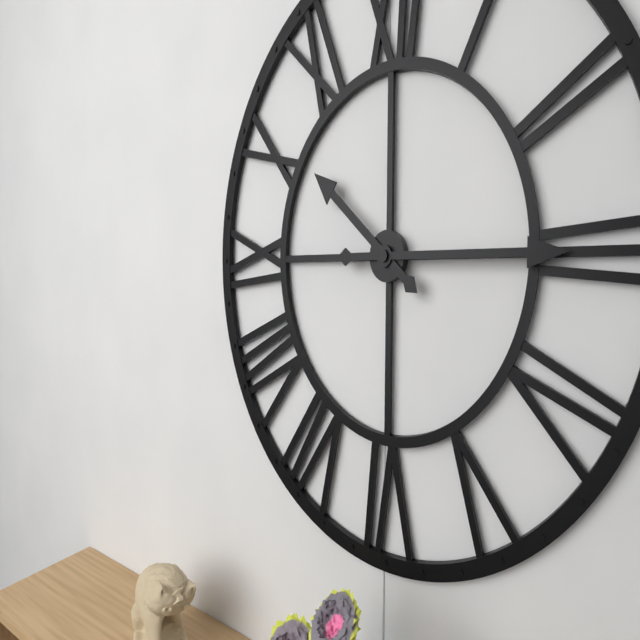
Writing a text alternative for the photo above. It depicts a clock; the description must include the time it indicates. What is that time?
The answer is 10:15
